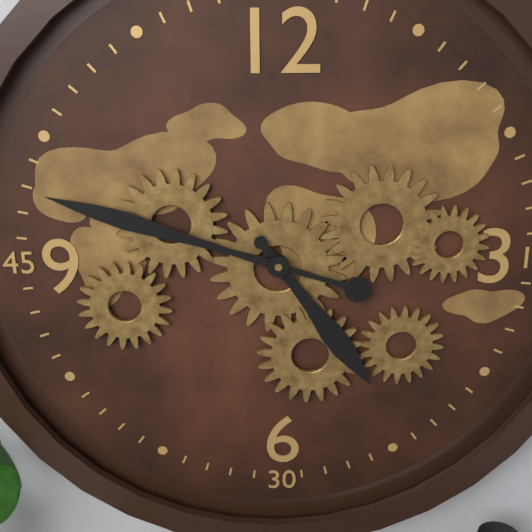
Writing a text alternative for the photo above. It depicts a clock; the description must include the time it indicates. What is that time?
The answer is 4:48
